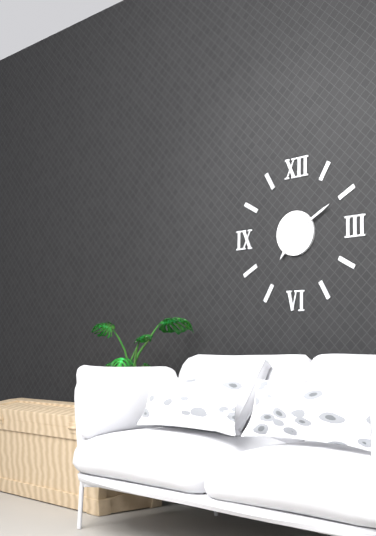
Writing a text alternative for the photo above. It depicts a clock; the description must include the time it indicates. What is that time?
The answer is 7:10
